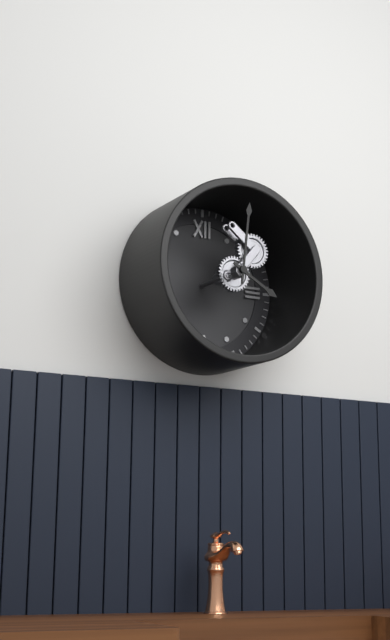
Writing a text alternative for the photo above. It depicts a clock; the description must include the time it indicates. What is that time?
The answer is 4:01
